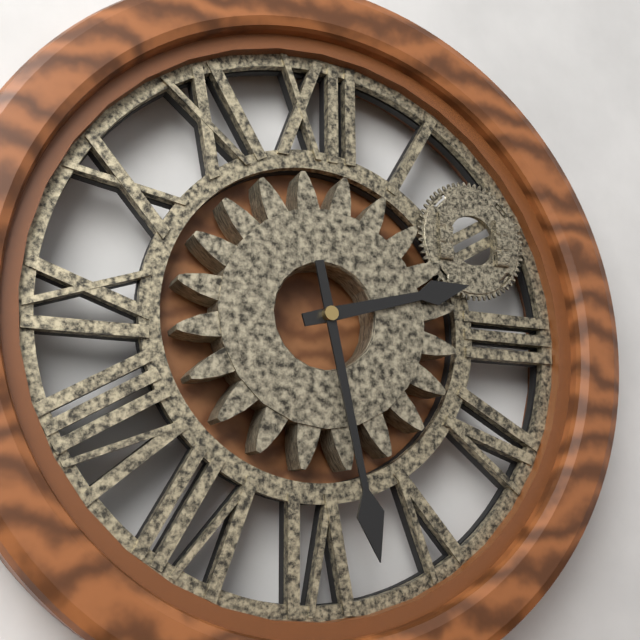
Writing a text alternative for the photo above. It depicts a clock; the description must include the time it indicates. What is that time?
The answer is 2:28
